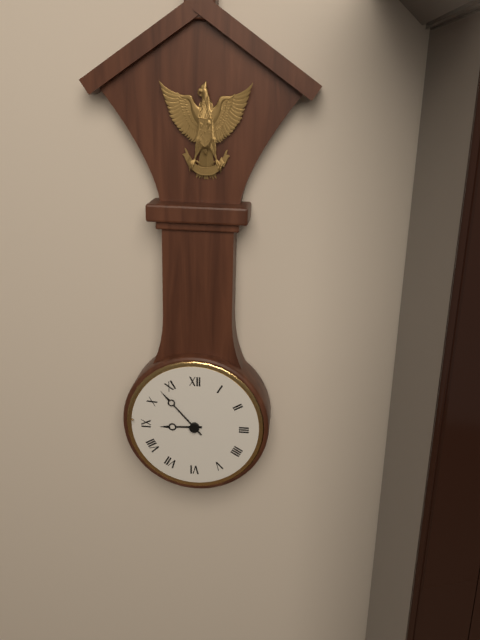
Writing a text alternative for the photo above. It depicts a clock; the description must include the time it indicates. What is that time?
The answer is 8:53
